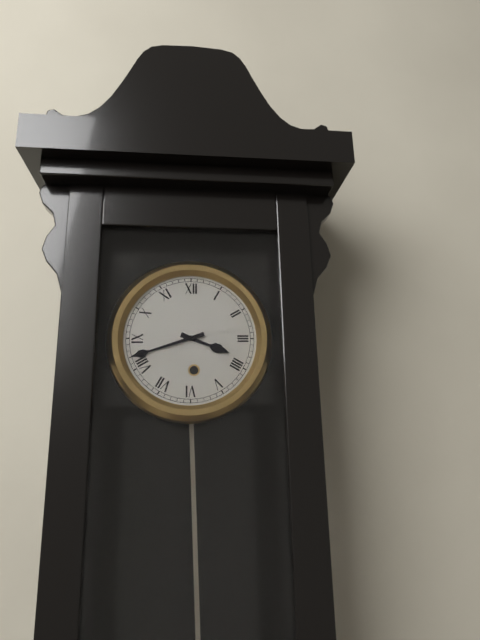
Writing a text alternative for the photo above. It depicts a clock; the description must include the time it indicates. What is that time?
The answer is 3:42
